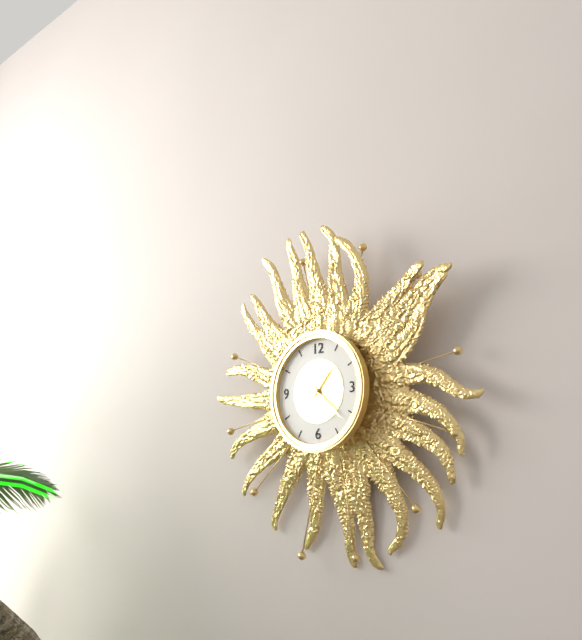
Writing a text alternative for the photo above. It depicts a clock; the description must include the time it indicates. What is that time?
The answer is 1:22
